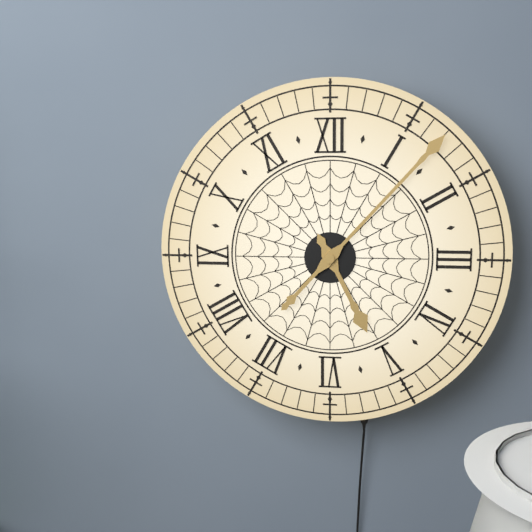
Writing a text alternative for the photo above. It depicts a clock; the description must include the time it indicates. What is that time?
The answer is 5:07
